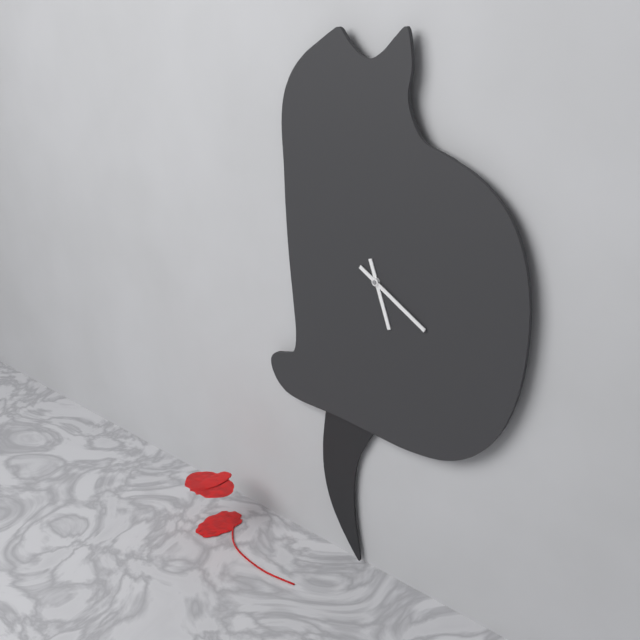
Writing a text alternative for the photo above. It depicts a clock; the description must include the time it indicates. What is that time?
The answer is 5:20
